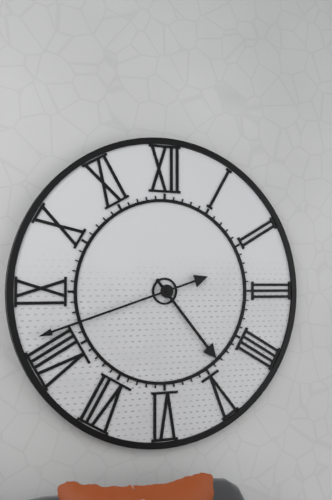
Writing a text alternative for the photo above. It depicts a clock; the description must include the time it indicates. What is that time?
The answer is 4:42
